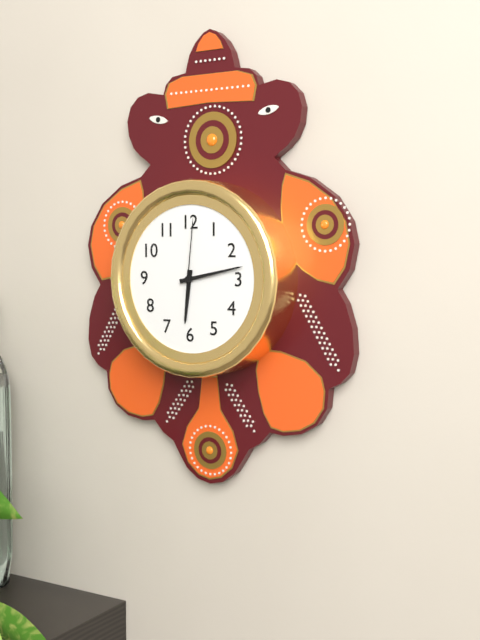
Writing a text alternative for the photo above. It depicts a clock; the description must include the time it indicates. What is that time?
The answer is 6:13:01
